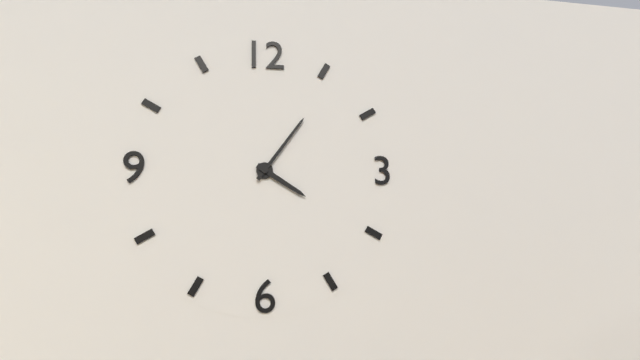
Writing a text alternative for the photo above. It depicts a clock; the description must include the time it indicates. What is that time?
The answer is 4:06
